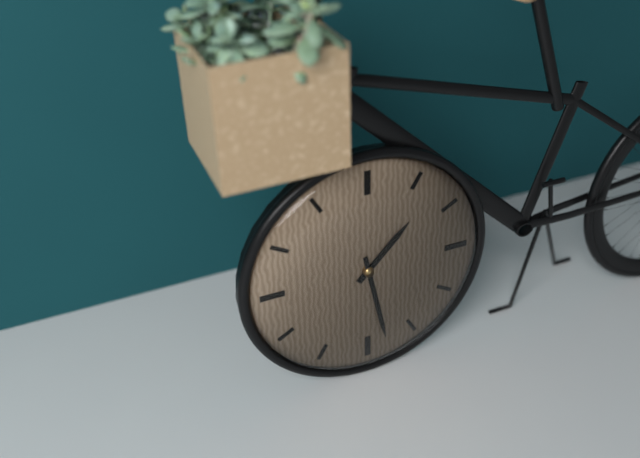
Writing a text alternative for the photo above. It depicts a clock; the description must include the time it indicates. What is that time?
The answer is 1:28
